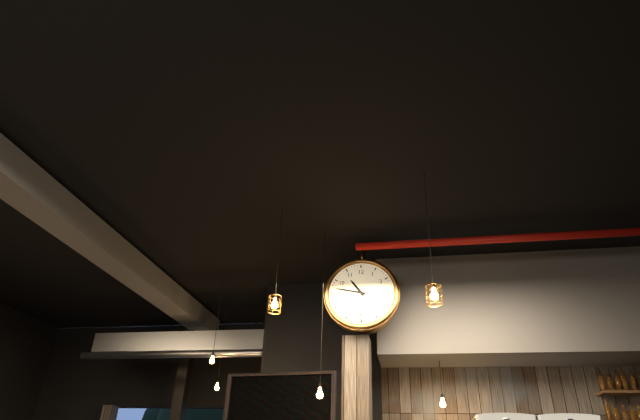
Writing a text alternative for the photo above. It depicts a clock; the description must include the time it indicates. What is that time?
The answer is 10:47
